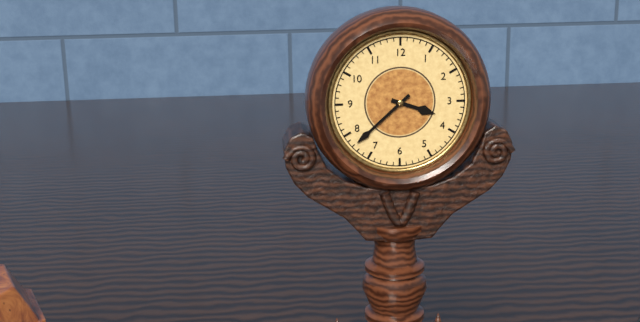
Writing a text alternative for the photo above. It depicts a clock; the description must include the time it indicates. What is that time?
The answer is 3:38
